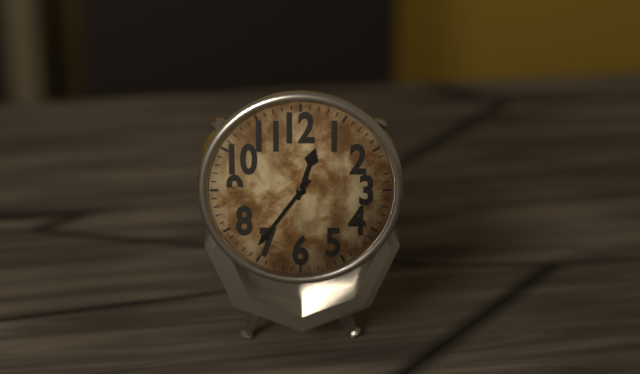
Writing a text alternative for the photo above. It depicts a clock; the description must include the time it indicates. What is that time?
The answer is 12:36
